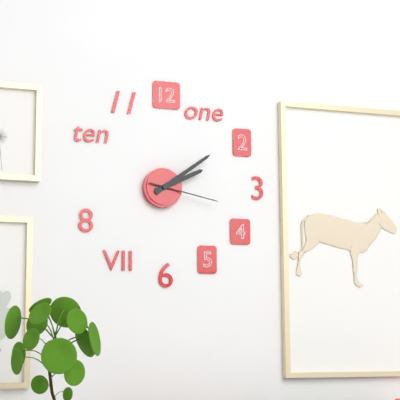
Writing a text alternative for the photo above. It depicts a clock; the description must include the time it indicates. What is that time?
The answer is 2:09:17
